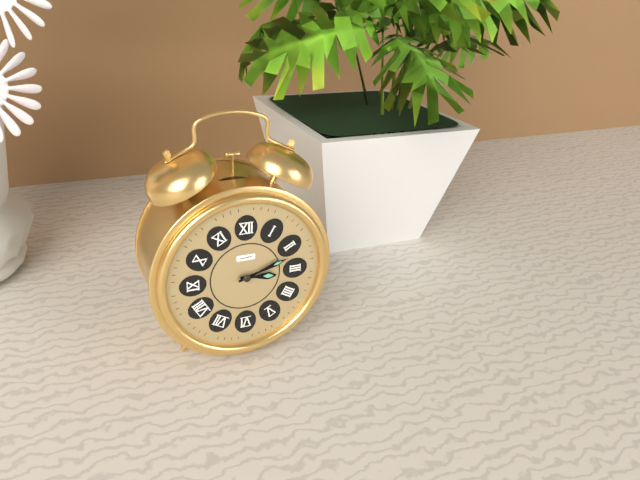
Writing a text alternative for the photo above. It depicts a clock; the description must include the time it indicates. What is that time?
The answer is 3:12
